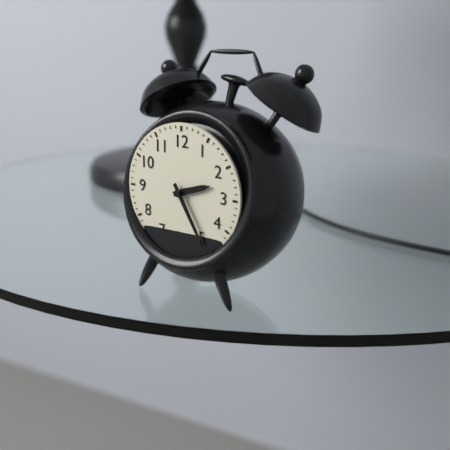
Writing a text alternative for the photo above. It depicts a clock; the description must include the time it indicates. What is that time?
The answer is 2:25
